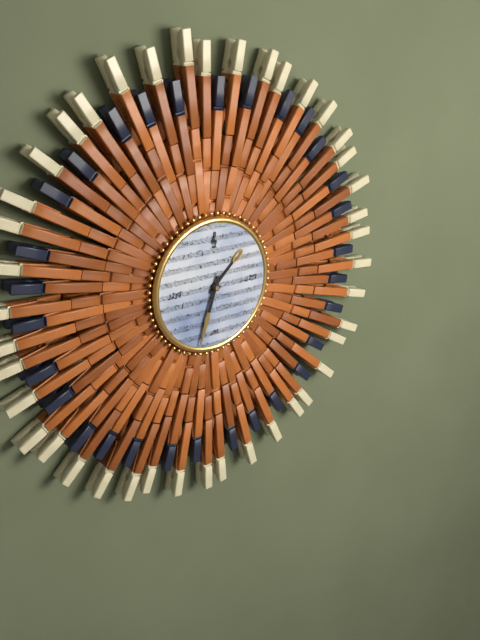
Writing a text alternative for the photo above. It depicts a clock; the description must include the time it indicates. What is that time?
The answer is 1:33
